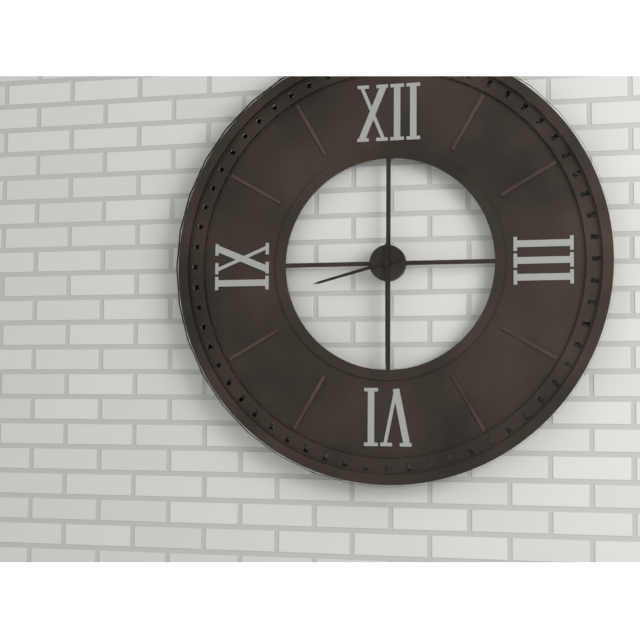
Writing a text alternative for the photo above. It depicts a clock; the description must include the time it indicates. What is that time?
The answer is 8:30
